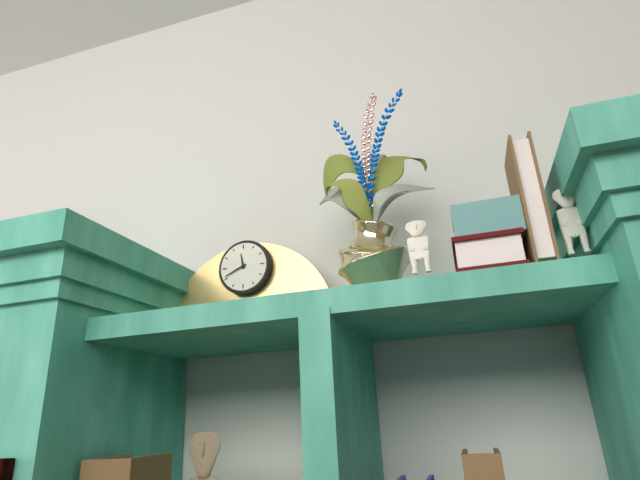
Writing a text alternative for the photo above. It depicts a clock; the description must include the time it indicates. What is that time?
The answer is 11:41
